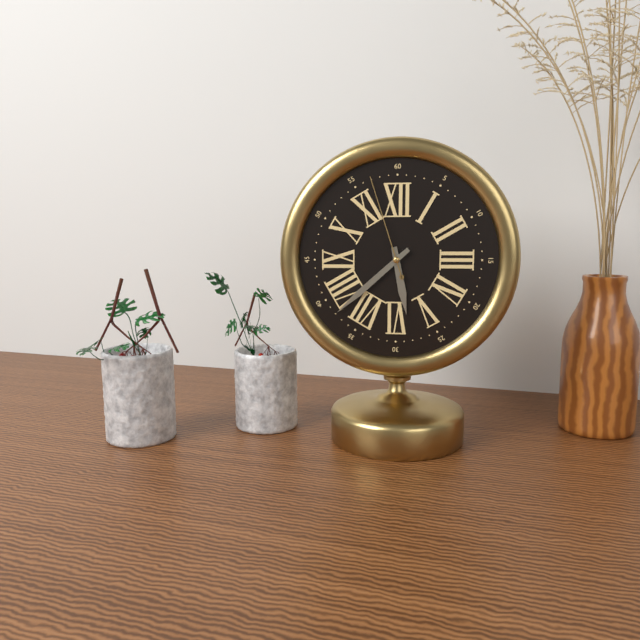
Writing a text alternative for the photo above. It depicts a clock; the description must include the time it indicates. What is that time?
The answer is 5:38:57
